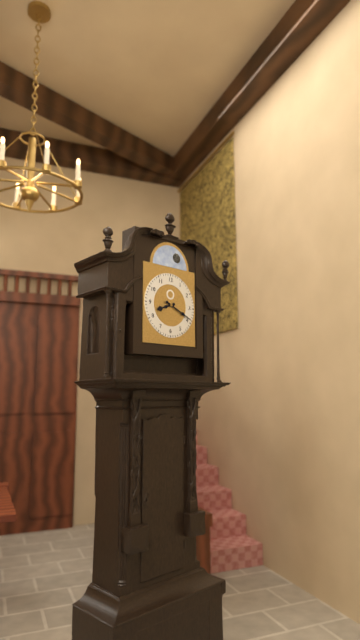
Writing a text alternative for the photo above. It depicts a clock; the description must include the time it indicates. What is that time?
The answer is 8:19
